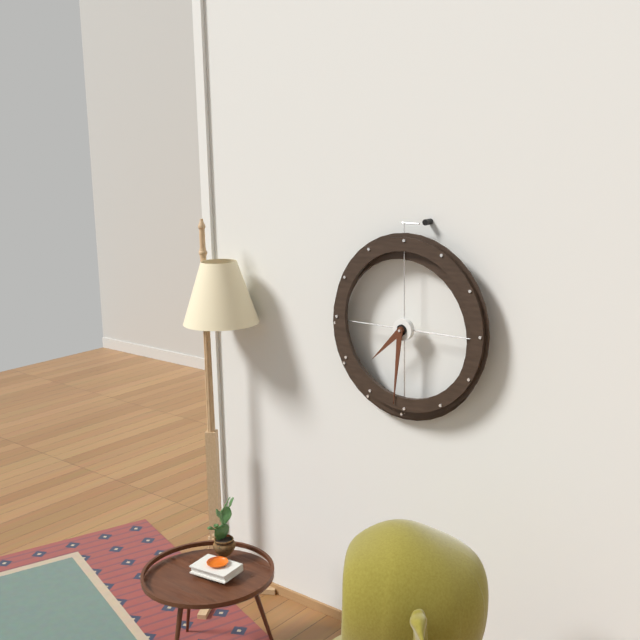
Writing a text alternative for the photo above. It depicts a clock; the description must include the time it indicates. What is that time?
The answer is 7:31
